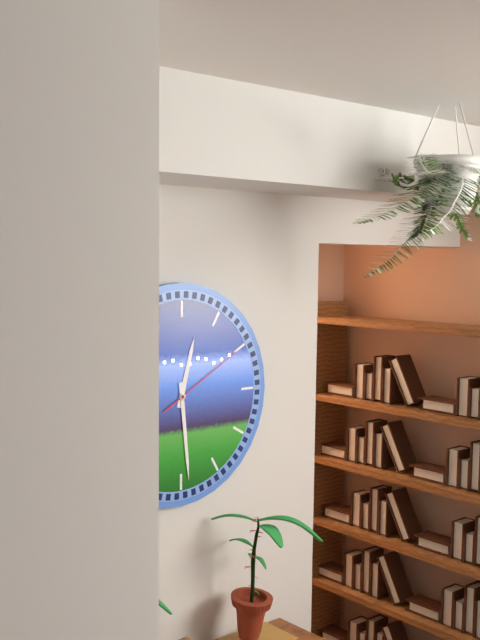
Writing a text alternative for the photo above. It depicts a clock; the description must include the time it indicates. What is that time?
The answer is 12:29:10
